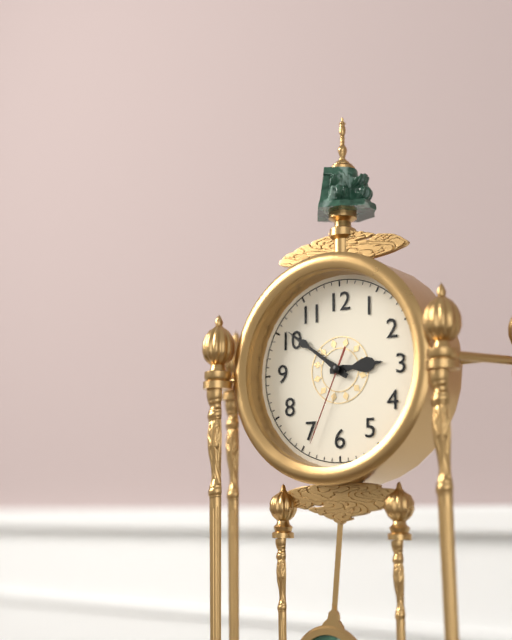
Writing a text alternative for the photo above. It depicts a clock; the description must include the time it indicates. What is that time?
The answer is 2:51:34
